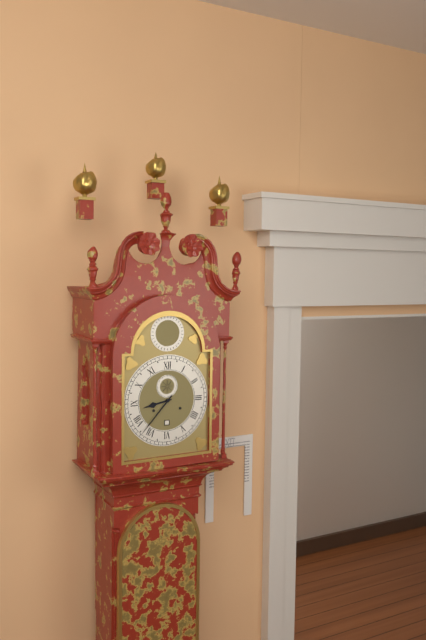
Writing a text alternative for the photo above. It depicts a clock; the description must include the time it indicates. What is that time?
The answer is 8:37
